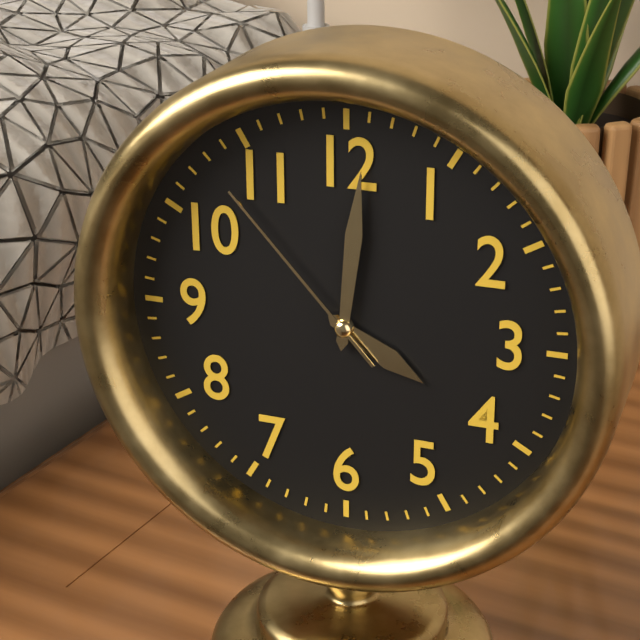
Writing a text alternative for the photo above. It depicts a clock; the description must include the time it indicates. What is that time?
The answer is 4:01:53
